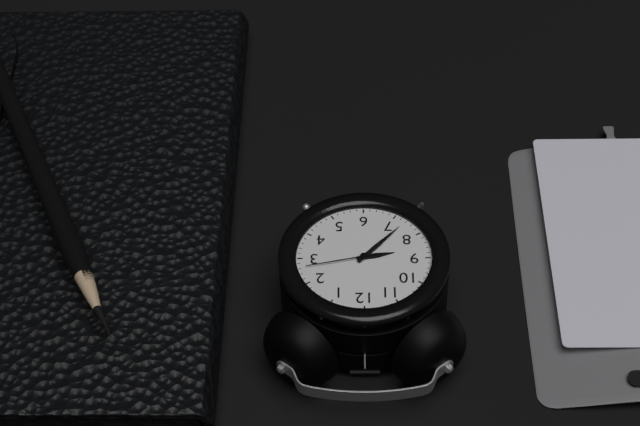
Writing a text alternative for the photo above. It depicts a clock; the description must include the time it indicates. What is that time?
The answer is 8:37:13
